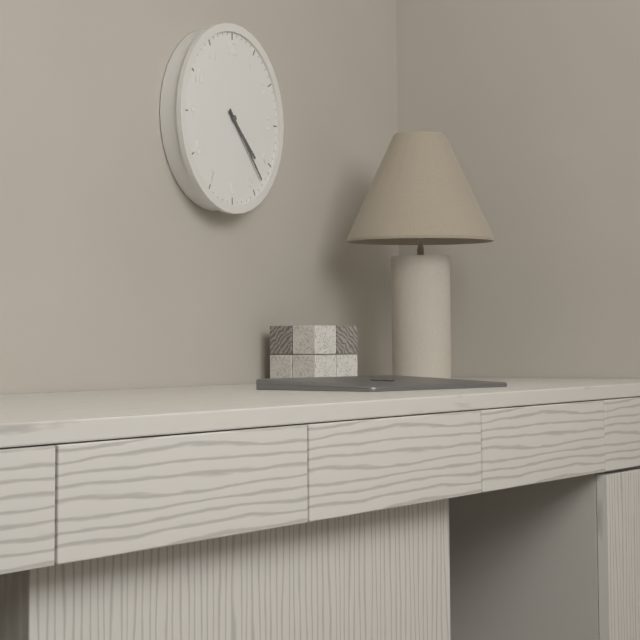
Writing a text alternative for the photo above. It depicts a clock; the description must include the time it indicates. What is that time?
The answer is 4:23
